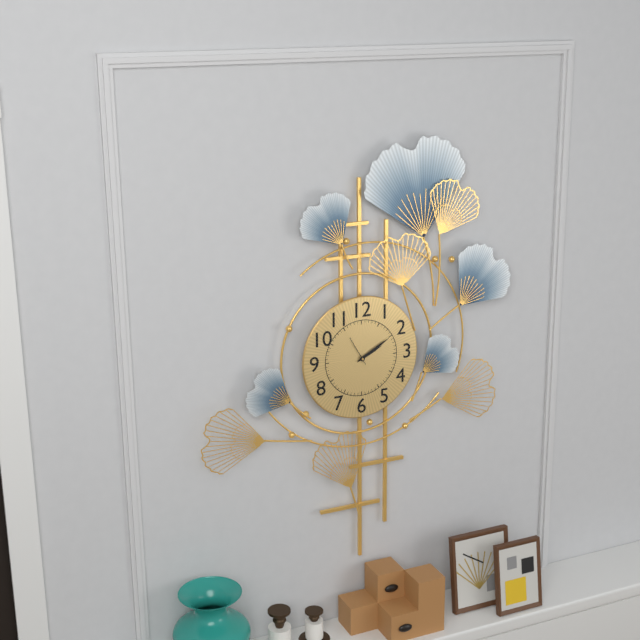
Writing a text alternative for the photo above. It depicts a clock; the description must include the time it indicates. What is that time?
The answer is 2:10
